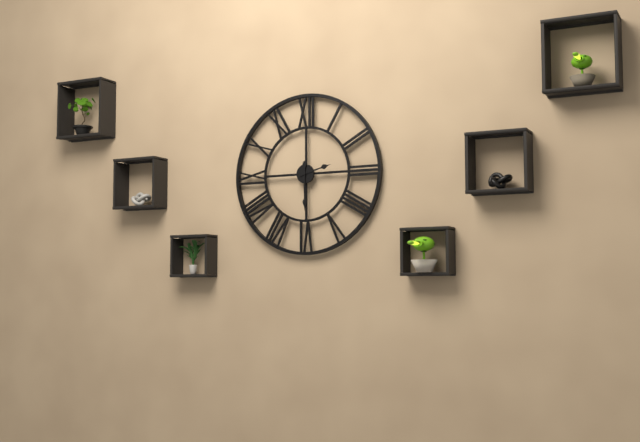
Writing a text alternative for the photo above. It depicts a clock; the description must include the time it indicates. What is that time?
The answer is 2:30
